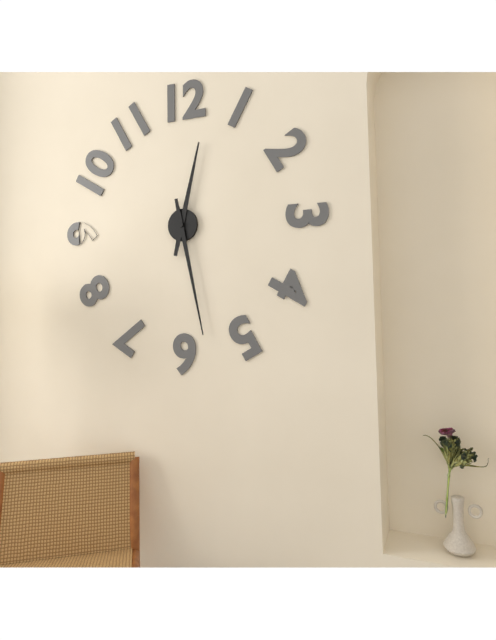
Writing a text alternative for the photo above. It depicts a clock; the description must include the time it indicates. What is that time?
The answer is 12:28
